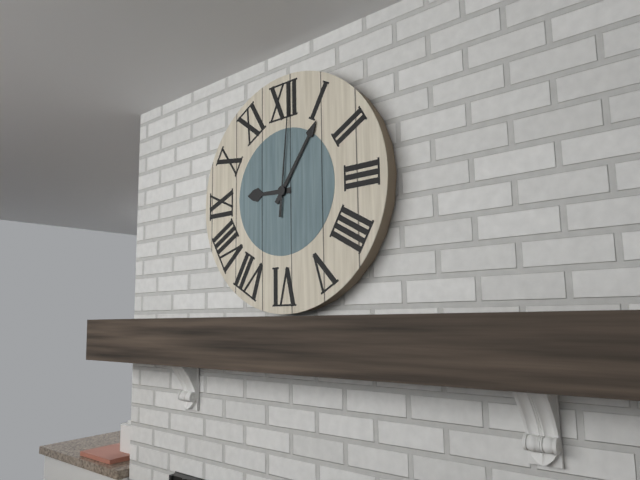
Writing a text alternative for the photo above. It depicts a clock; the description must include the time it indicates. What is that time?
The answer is 9:06:01
